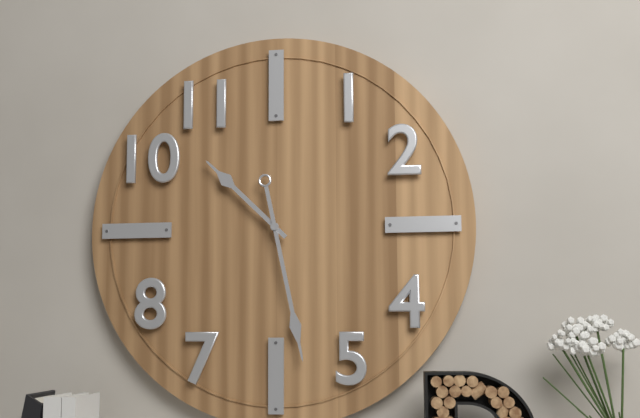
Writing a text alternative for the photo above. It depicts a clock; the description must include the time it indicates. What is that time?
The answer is 10:28
